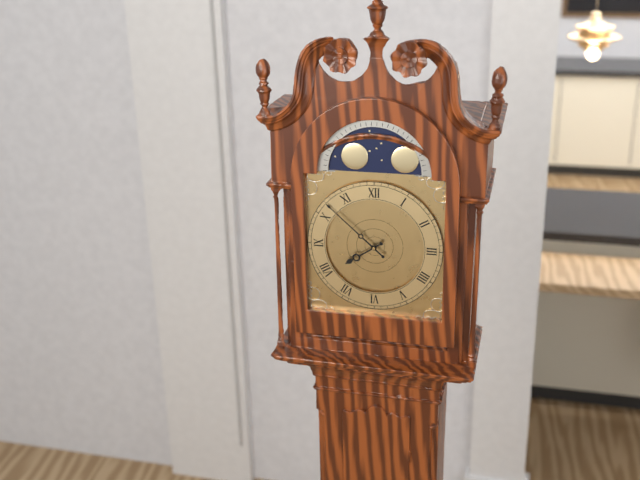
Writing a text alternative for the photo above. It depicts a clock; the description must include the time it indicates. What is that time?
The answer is 7:52
